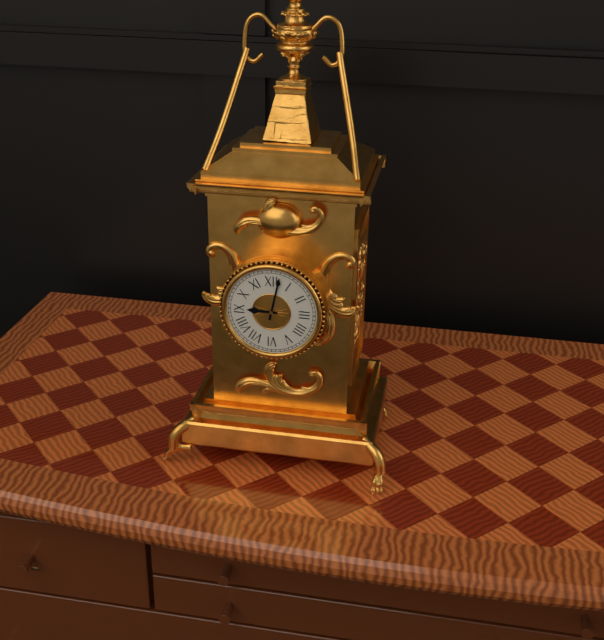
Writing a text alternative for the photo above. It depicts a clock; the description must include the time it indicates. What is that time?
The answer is 9:02
